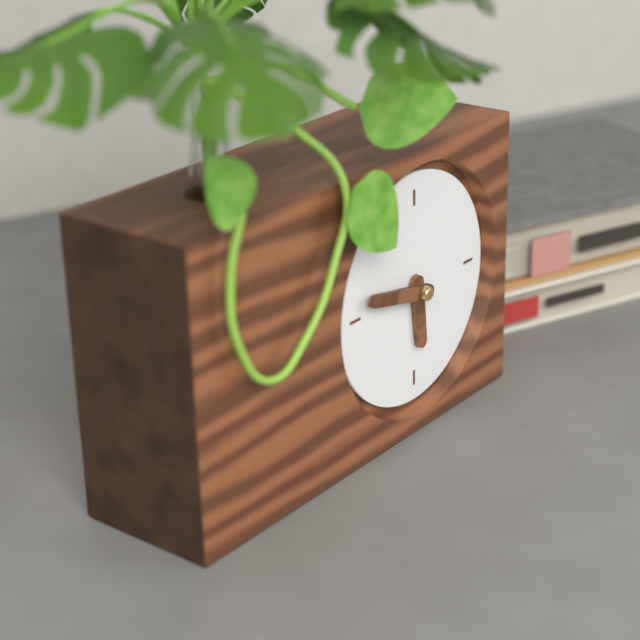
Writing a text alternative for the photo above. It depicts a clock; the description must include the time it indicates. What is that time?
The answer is 5:47
